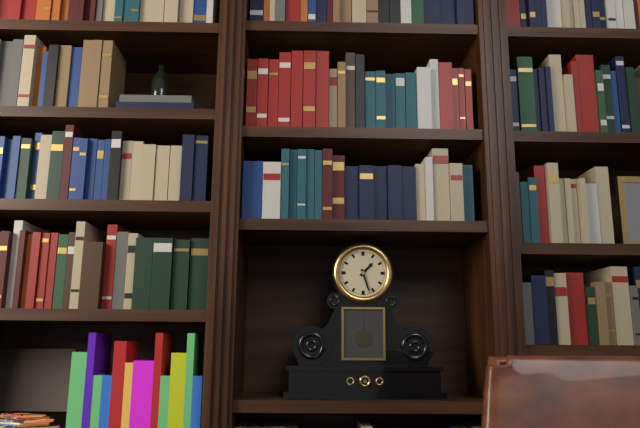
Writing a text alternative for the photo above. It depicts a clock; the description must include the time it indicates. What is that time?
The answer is 1:27
